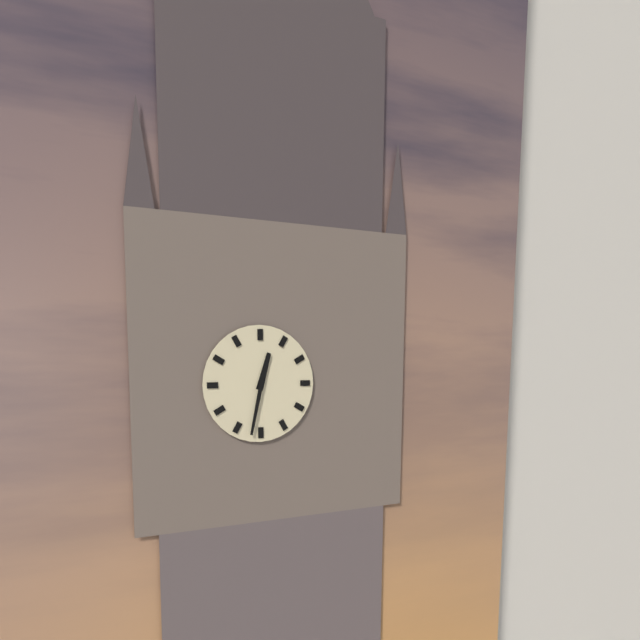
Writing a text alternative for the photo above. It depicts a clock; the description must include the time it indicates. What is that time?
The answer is 12:32
